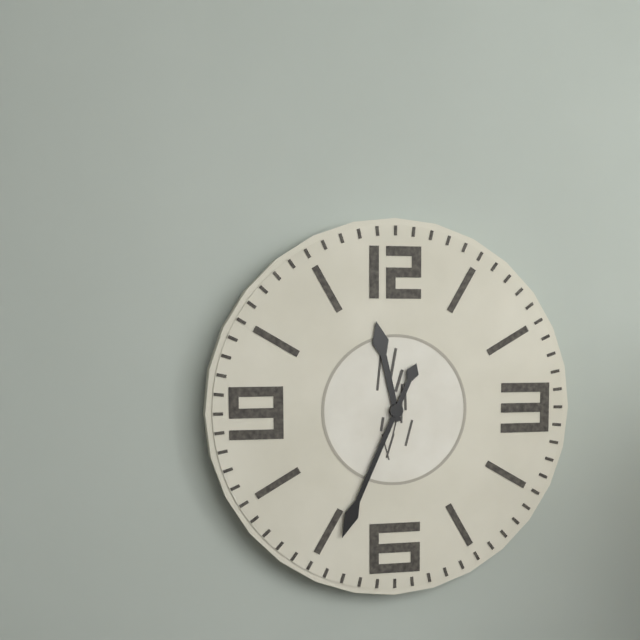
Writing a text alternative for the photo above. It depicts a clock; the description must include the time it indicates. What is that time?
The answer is 11:34
